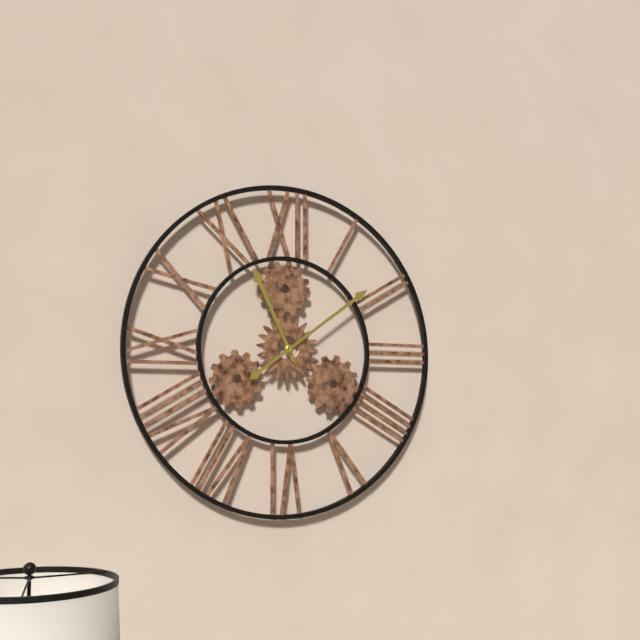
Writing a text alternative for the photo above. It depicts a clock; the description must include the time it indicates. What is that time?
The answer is 11:09
